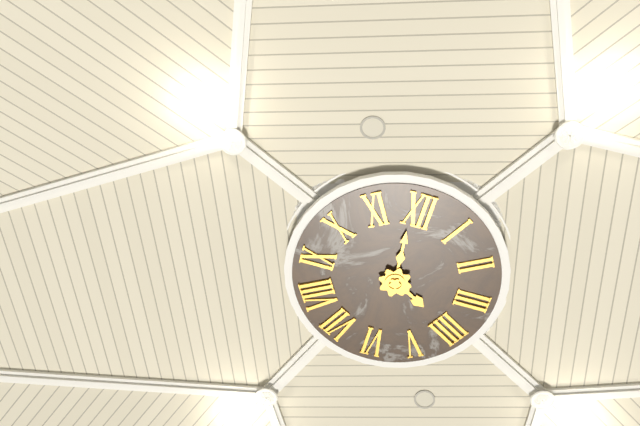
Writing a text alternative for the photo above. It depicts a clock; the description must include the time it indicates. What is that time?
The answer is 3:59
